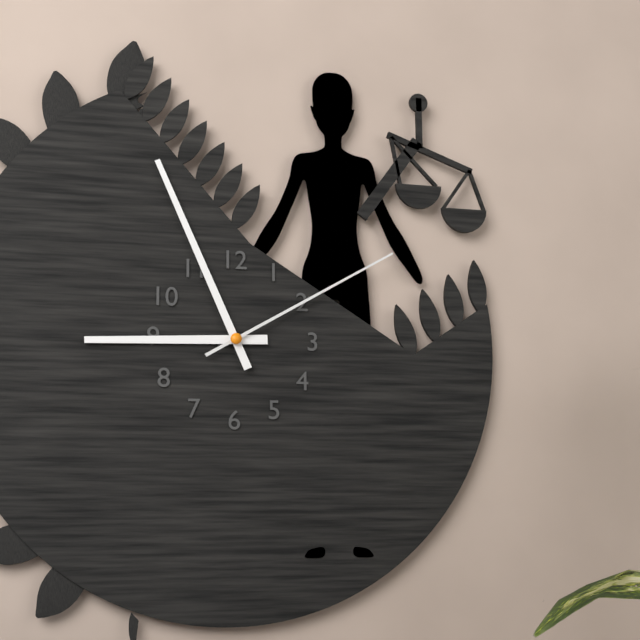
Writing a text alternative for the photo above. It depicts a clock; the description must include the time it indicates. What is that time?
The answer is 8:56:10
